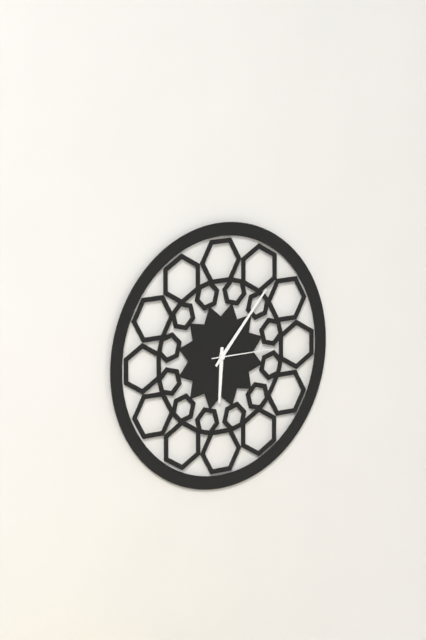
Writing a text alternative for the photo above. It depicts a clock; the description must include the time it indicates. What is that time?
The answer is 6:07:15
